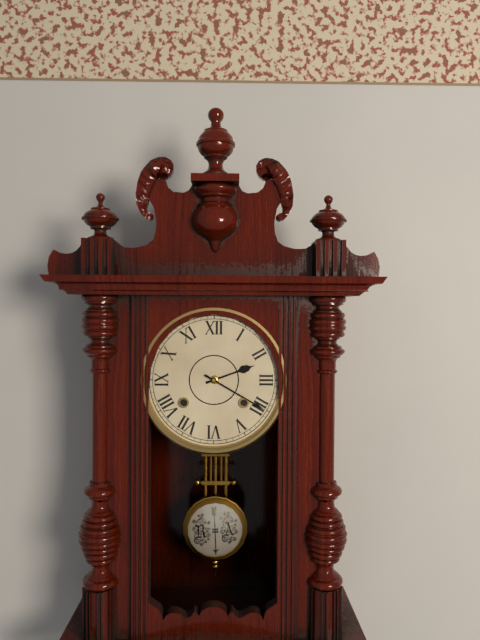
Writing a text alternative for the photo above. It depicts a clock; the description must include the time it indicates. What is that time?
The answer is 2:20
